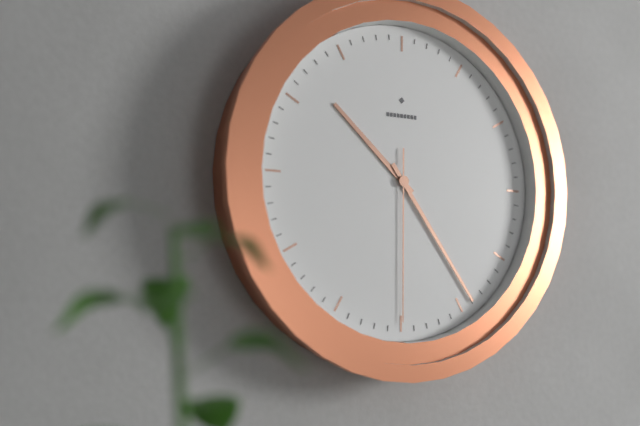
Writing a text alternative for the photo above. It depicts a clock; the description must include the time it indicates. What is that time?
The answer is 10:24:30
